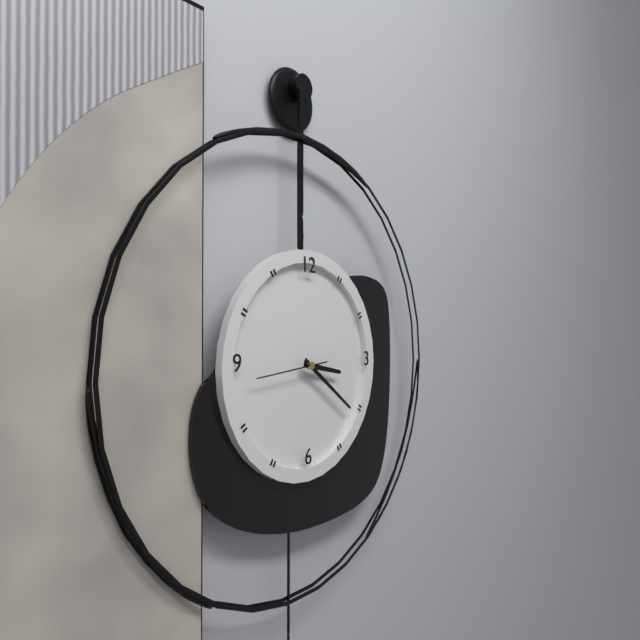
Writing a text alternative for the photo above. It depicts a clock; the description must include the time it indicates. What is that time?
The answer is 3:21:44
